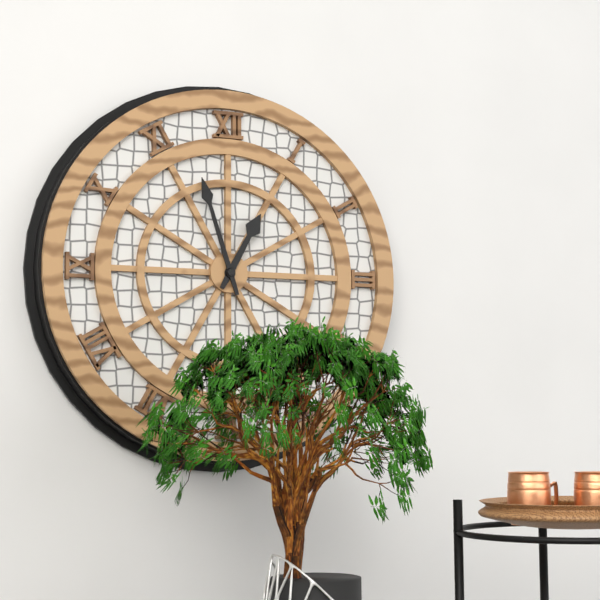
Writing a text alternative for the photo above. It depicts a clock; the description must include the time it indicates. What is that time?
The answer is 12:57
